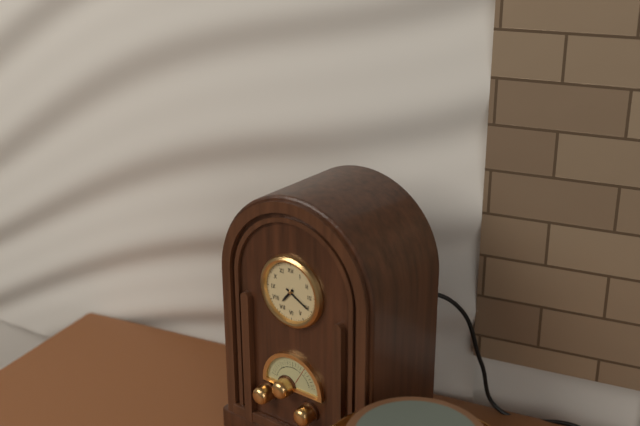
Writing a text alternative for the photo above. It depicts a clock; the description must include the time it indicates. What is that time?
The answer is 7:20
